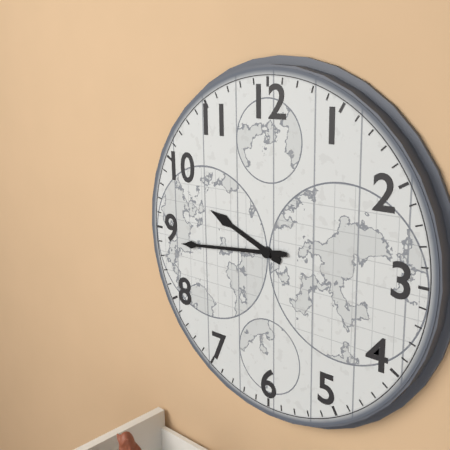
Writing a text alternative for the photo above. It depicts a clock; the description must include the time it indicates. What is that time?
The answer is 9:44
